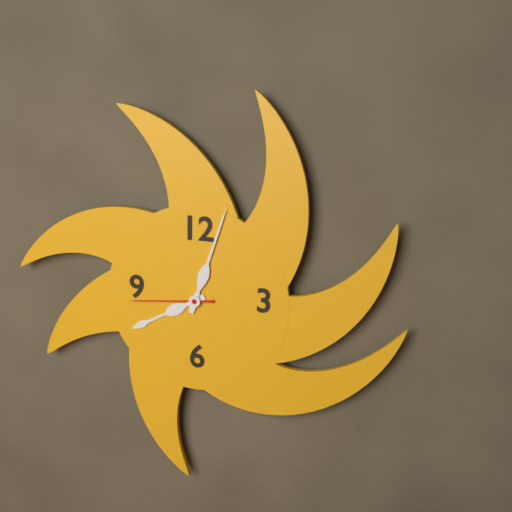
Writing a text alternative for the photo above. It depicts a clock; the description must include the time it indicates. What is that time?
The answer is 8:03:44
